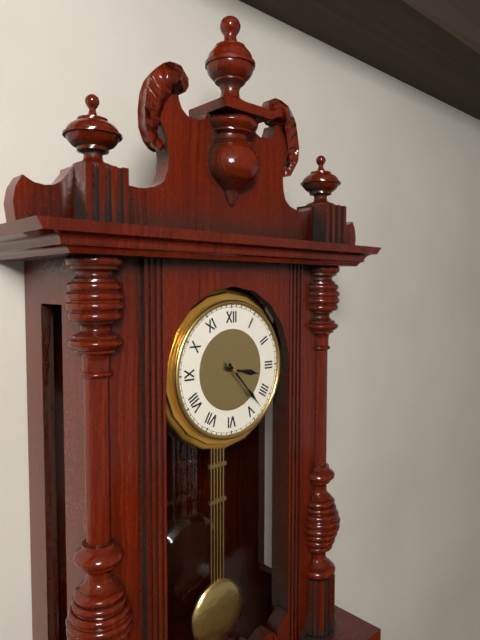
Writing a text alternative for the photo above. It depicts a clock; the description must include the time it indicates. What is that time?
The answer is 3:23
